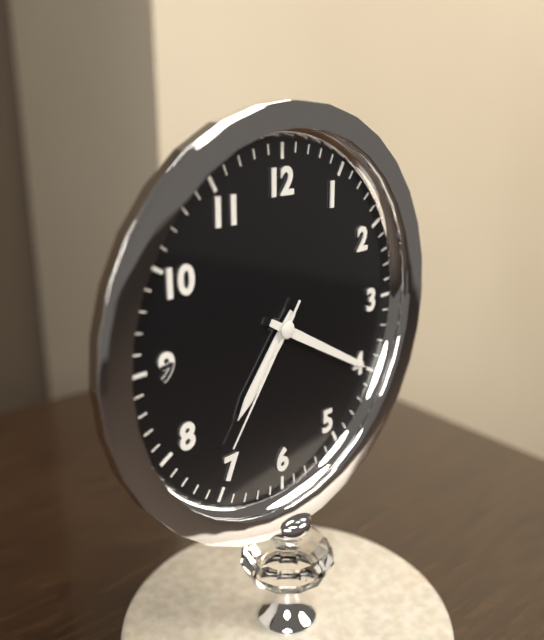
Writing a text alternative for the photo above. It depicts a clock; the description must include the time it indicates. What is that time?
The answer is 7:20:36
